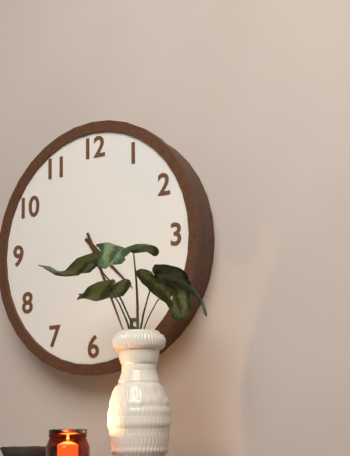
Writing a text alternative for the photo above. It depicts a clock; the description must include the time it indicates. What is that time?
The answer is 4:26
